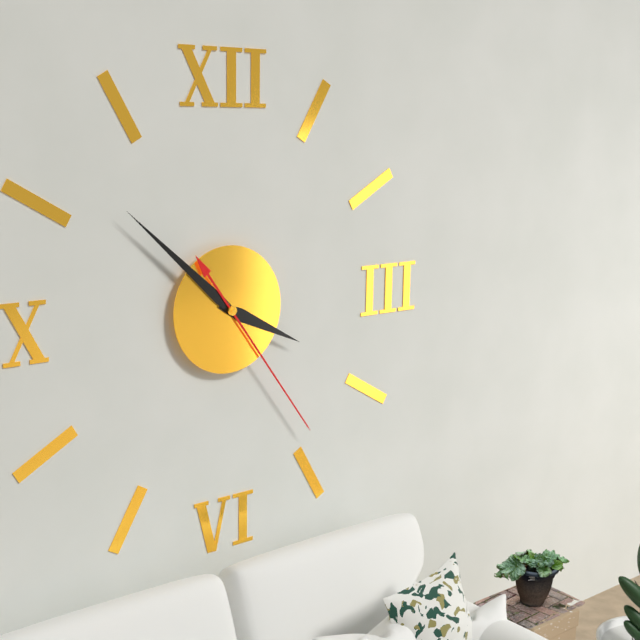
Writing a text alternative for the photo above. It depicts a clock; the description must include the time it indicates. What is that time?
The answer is 3:52:24
